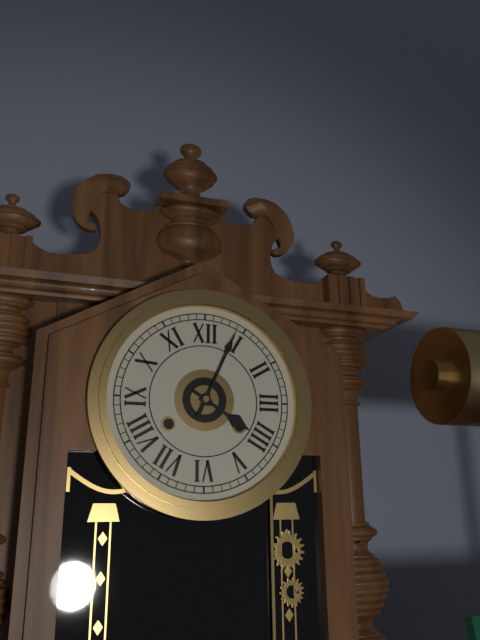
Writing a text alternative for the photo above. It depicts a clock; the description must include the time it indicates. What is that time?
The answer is 4:04
